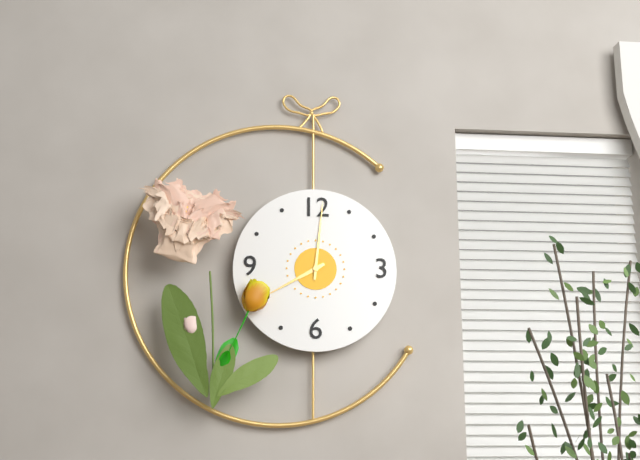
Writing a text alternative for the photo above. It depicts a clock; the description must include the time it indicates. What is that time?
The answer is 8:01
